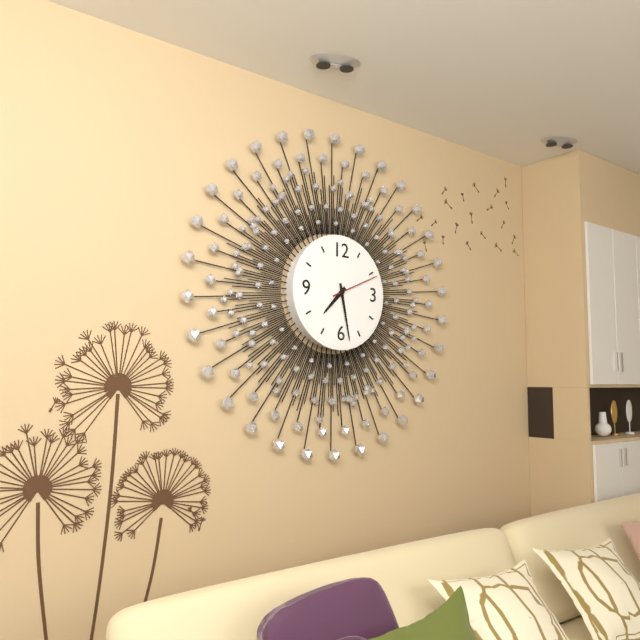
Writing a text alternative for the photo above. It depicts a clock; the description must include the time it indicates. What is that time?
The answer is 7:28
